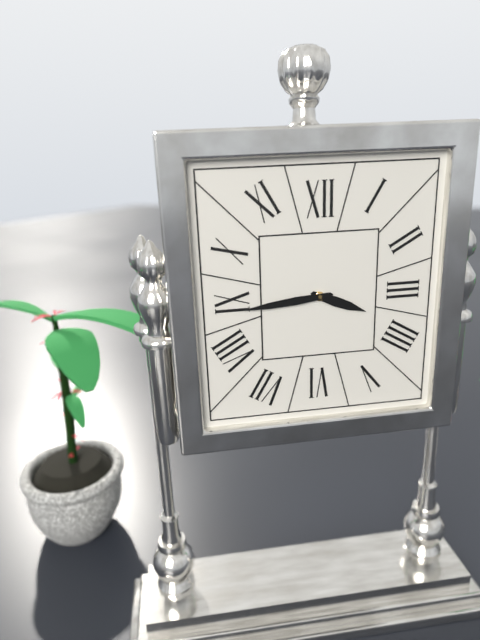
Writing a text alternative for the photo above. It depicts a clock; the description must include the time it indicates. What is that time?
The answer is 3:44
